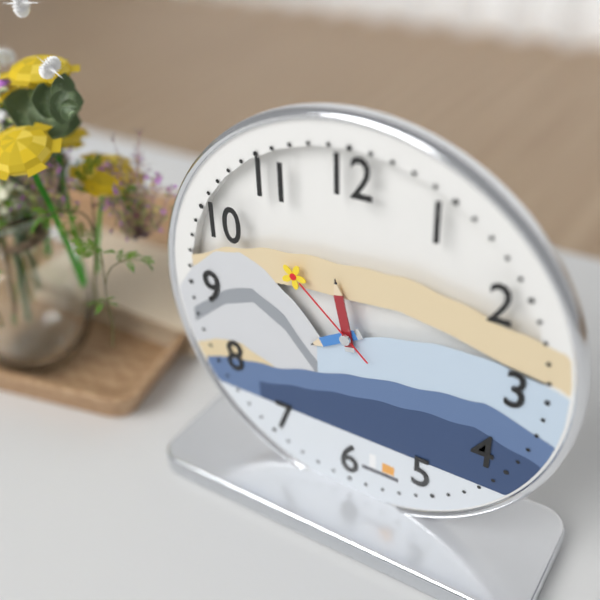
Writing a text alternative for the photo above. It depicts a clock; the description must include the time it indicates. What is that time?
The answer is 7:58:52
